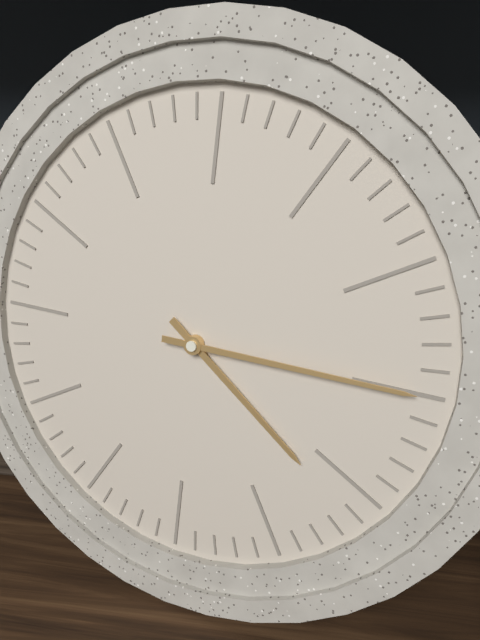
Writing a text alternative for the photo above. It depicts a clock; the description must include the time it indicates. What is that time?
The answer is 4:15
